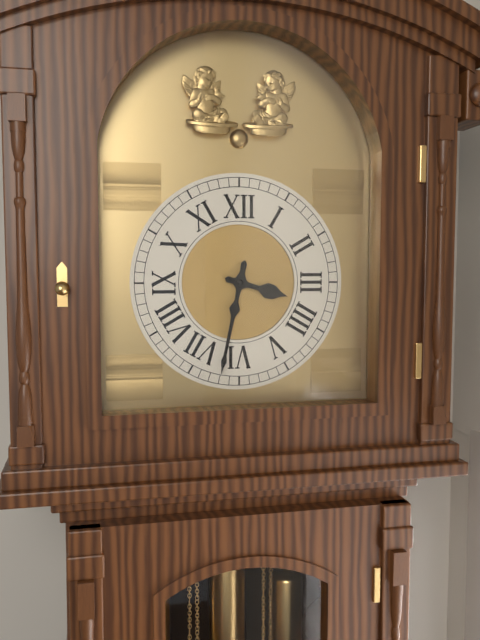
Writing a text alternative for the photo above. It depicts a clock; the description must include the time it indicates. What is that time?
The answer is 3:32
